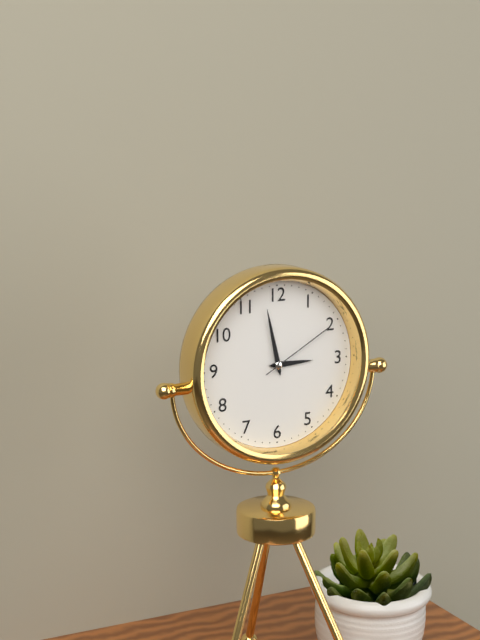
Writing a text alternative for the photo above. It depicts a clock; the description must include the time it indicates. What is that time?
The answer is 2:58:10
